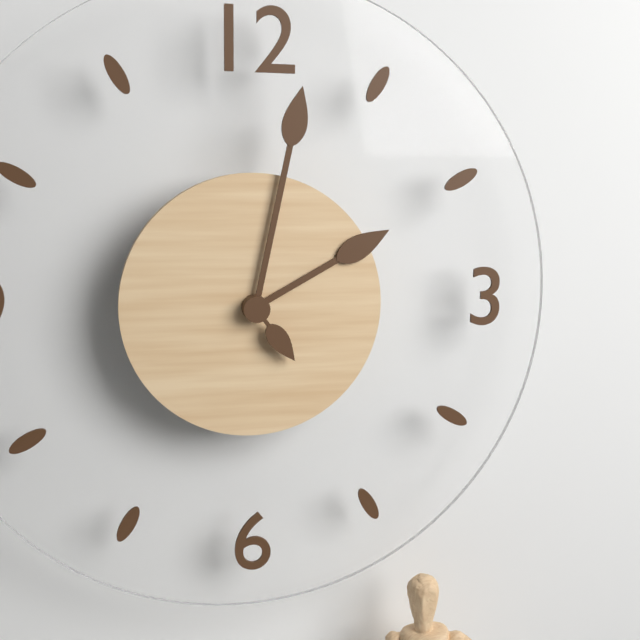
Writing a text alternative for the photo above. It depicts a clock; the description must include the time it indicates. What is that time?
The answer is 2:02:24
